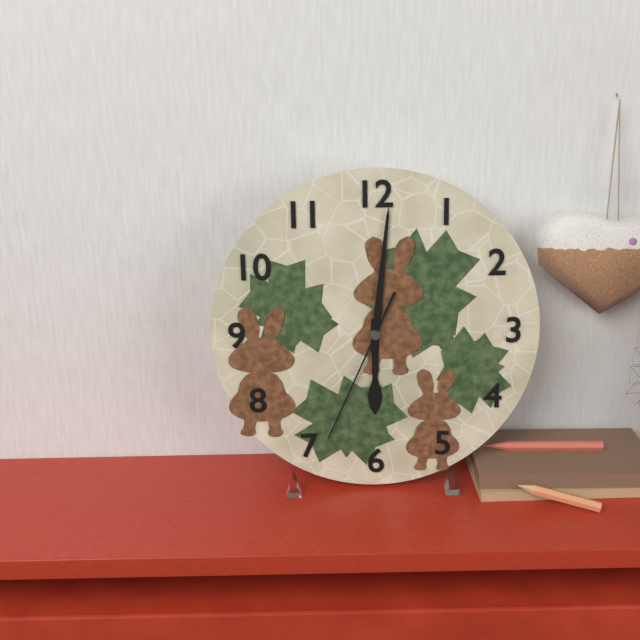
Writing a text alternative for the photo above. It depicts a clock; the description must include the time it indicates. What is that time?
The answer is 6:01:34
